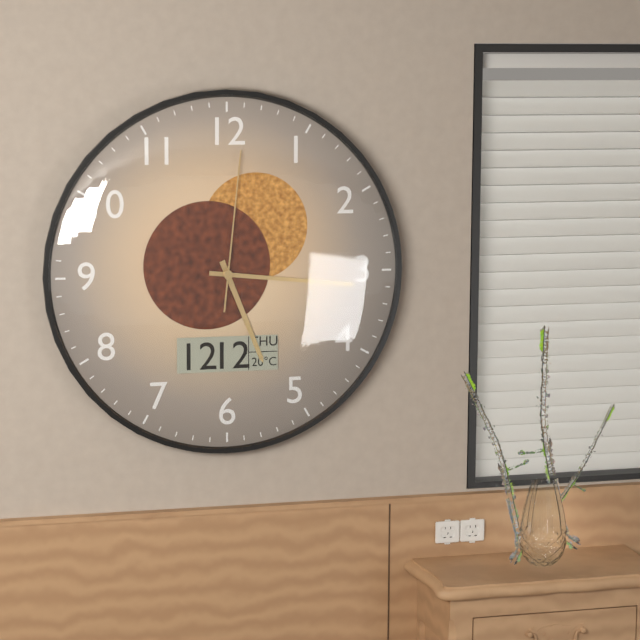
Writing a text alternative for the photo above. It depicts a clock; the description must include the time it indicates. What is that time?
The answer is 5:16:01
